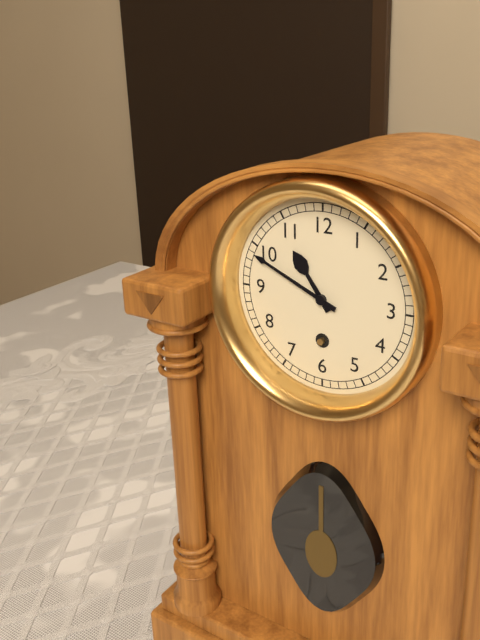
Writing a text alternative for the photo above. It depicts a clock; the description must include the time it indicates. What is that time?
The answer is 10:49
